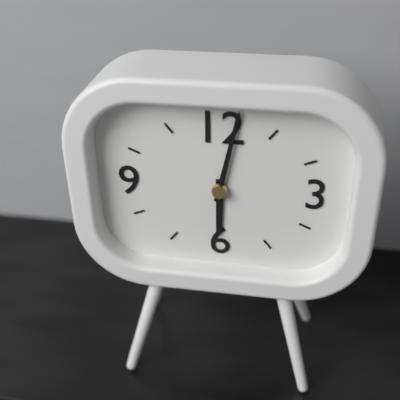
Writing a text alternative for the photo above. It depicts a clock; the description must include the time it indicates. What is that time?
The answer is 6:02
